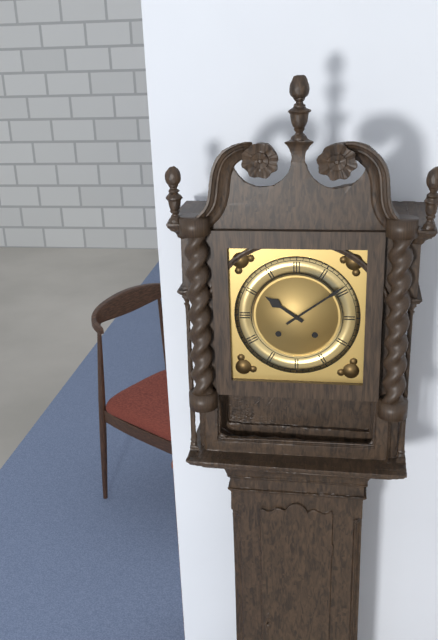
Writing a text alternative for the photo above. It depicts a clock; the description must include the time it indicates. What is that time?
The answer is 10:09
